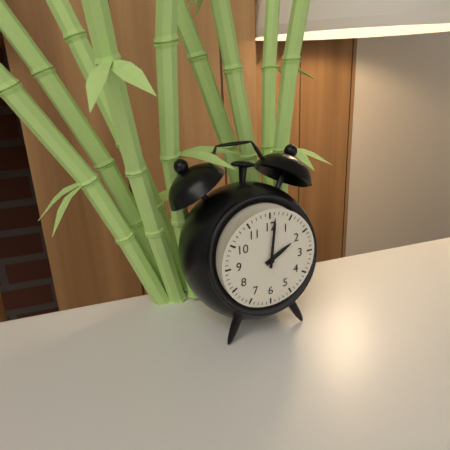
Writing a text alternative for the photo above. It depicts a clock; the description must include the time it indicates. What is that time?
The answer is 2:01
